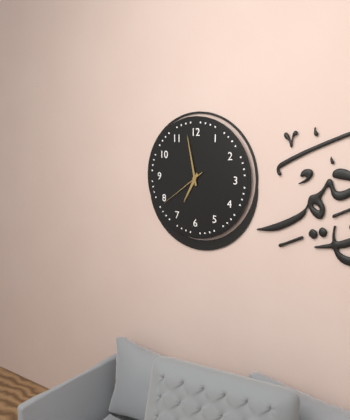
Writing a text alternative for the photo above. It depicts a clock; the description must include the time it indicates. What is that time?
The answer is 6:58:39
